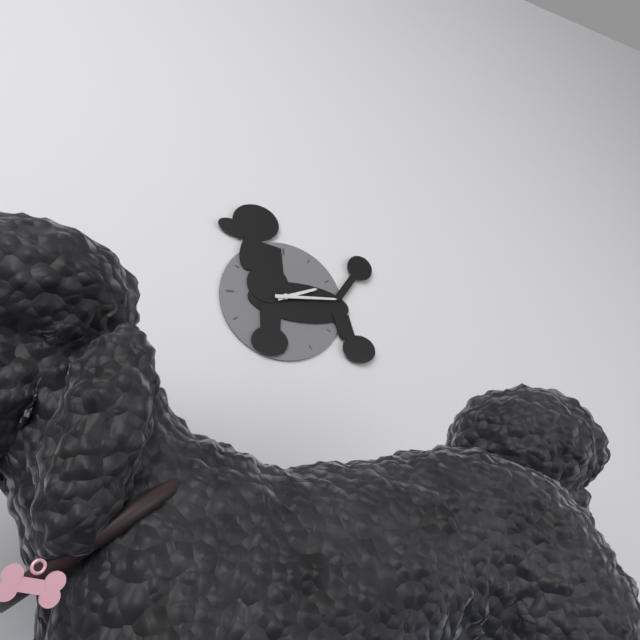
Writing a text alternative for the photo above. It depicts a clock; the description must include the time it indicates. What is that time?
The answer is 2:14
